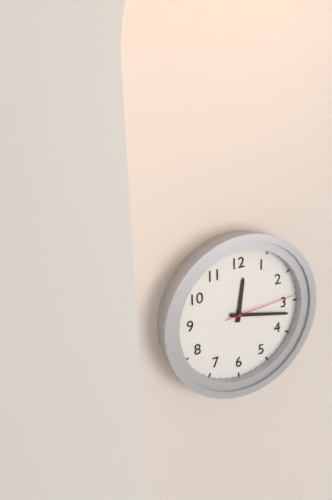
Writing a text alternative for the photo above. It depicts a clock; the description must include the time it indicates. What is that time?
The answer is 12:17:14
